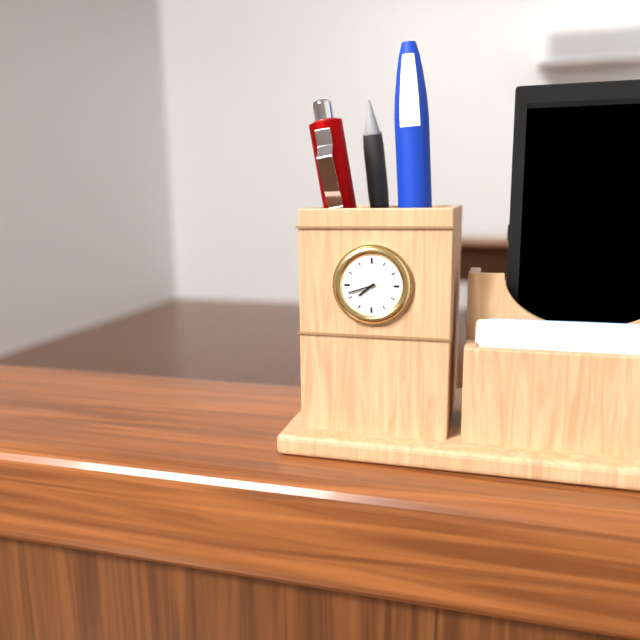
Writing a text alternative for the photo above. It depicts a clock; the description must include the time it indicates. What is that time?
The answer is 7:42
